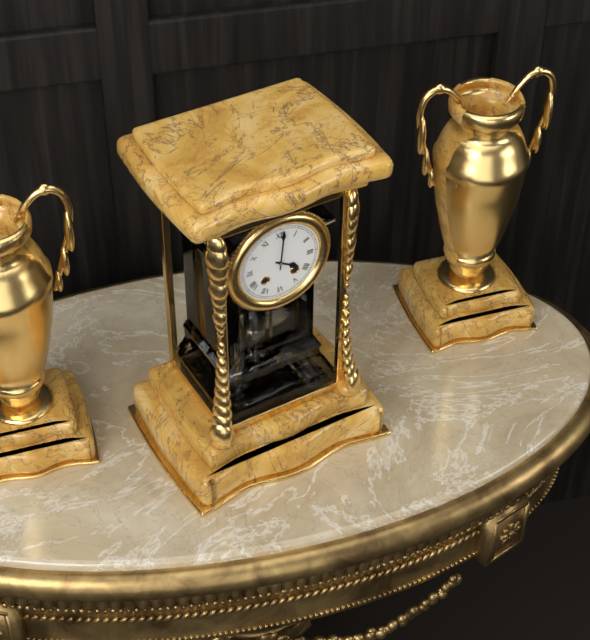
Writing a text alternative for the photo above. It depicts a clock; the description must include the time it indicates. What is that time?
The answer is 4:01
